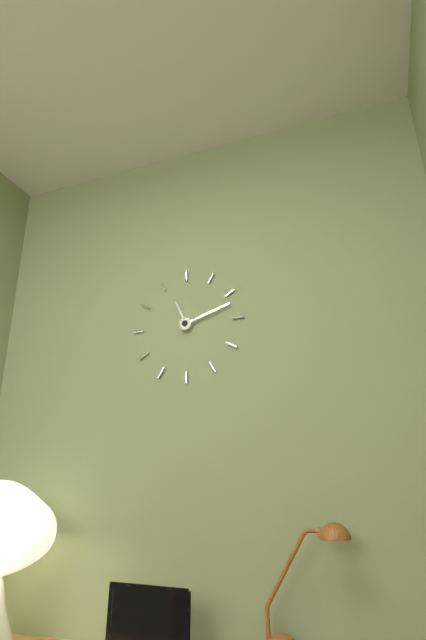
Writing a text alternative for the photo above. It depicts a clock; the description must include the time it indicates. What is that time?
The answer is 11:12
